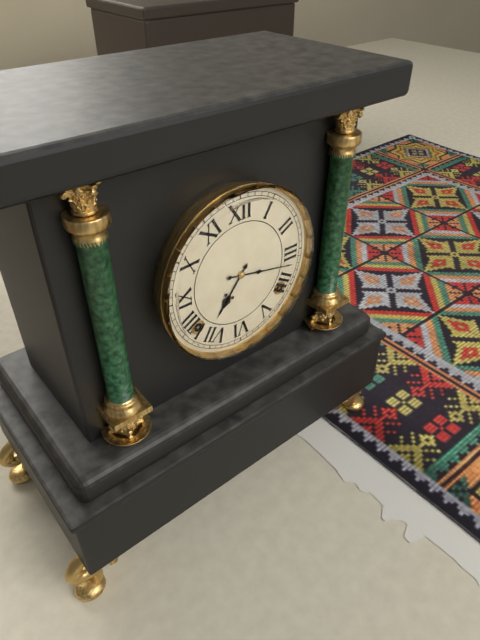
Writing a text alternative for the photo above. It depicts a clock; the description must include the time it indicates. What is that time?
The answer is 7:17
